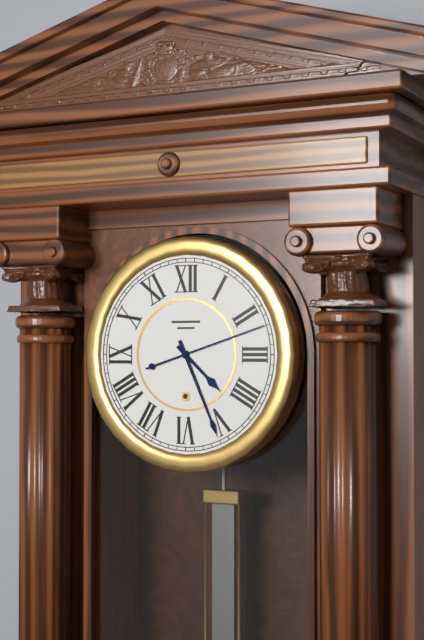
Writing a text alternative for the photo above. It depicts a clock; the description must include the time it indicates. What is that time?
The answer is 4:26:12
